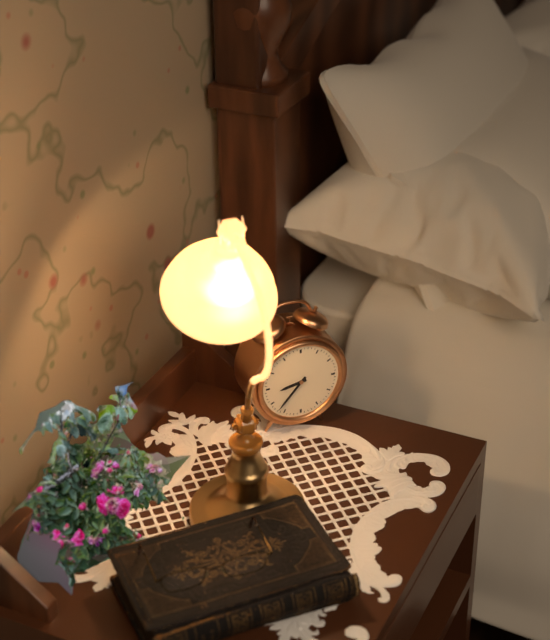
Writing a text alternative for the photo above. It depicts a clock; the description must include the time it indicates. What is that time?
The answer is 8:37
